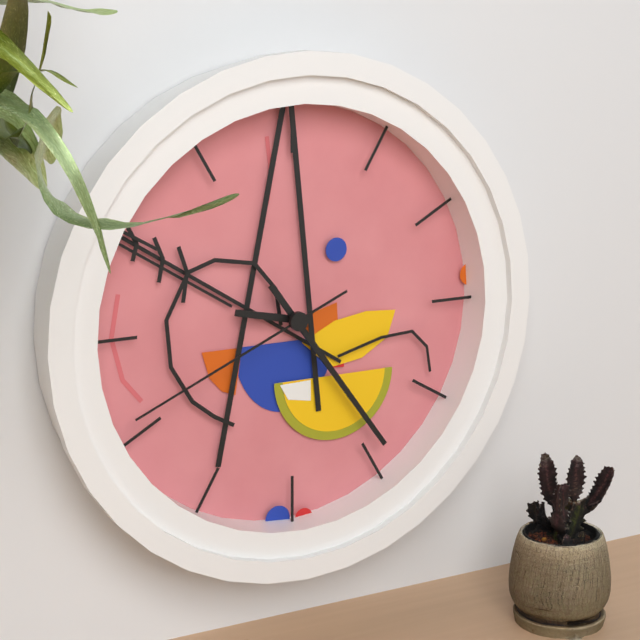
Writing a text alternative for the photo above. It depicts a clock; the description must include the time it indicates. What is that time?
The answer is 9:24:41
